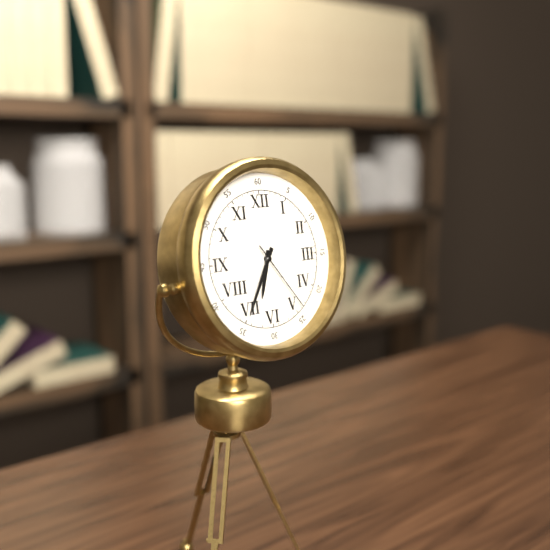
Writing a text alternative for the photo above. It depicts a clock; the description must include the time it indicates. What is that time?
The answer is 6:35:24
